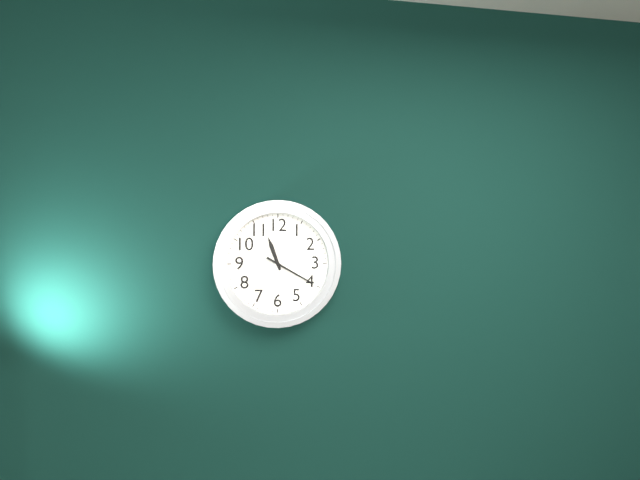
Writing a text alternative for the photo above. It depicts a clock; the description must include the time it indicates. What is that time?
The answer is 11:20
